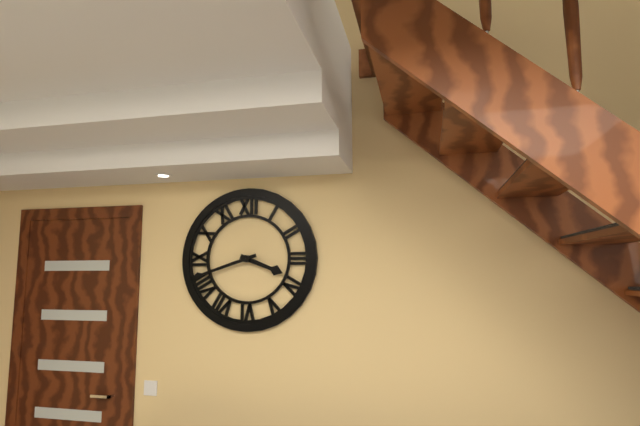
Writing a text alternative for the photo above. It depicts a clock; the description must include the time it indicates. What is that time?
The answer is 3:42
